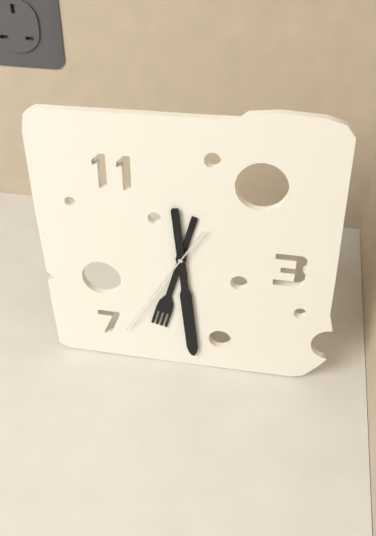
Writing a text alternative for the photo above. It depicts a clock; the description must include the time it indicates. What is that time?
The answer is 6:29:35
